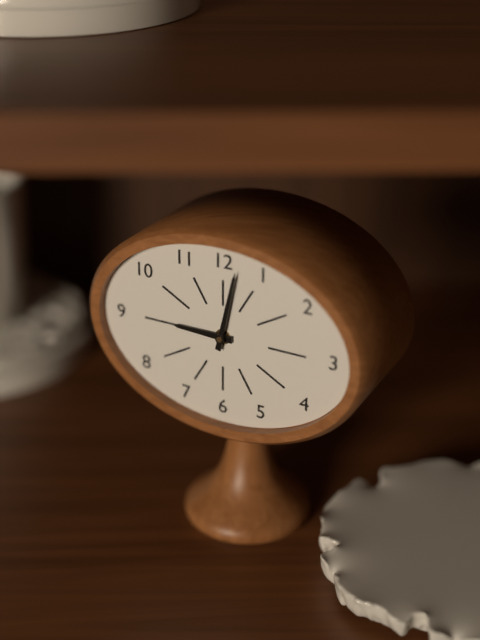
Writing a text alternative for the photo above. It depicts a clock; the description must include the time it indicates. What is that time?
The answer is 9:02
